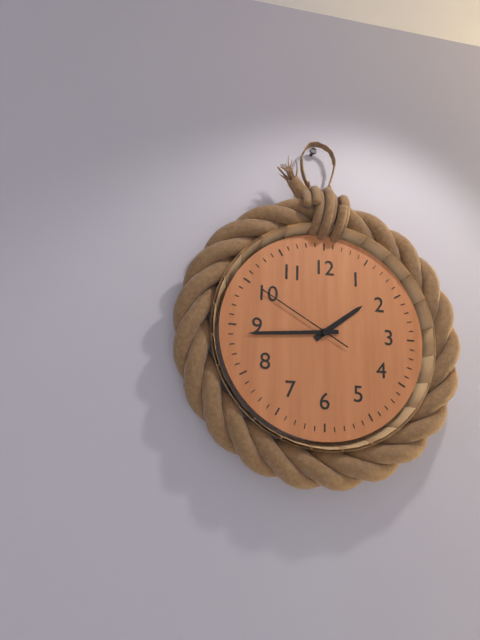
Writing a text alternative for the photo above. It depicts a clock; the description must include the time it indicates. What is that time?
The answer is 1:44:50
